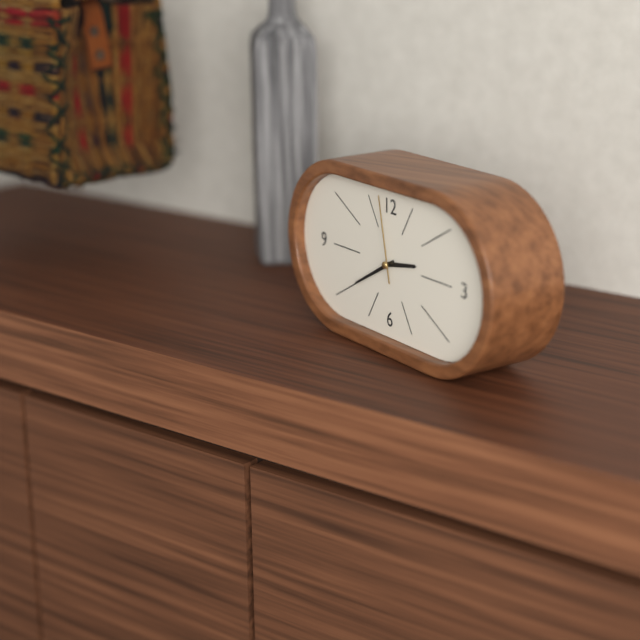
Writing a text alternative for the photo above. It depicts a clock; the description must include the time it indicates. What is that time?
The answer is 2:40:58
